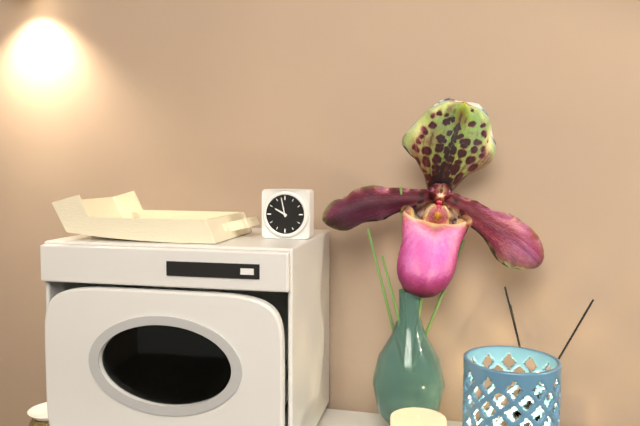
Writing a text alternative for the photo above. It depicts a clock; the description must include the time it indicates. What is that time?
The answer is 9:58
